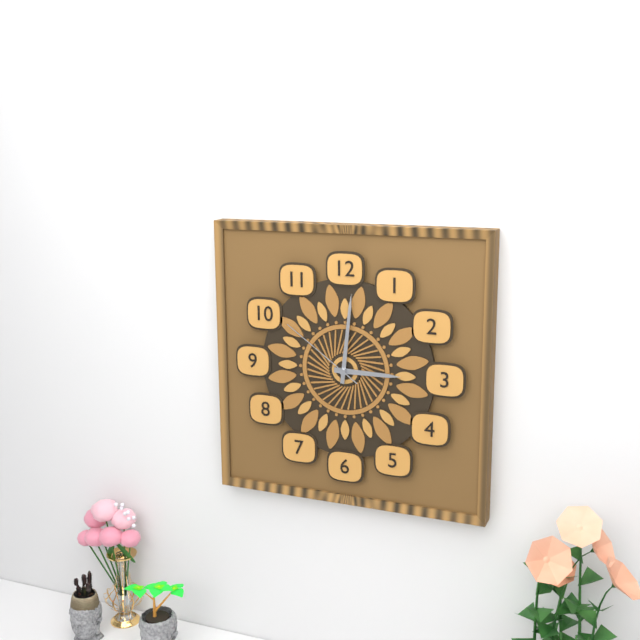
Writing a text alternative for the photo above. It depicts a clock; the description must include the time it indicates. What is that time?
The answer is 3:01:51
